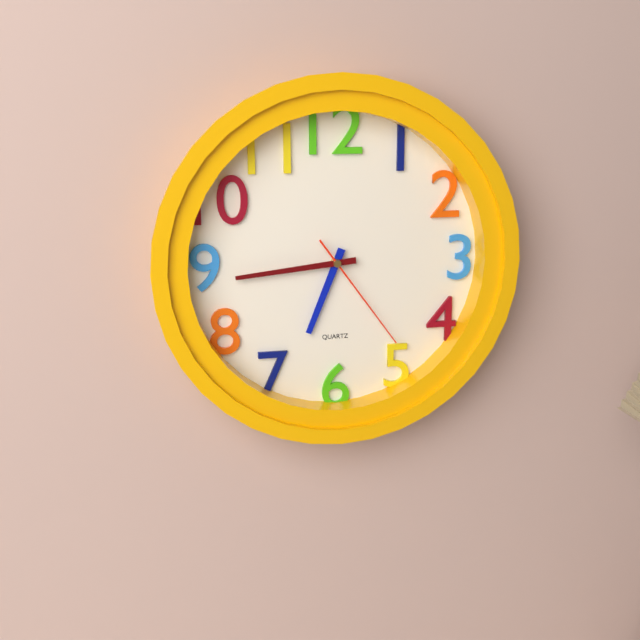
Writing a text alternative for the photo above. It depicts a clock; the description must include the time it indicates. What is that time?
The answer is 6:44:24
